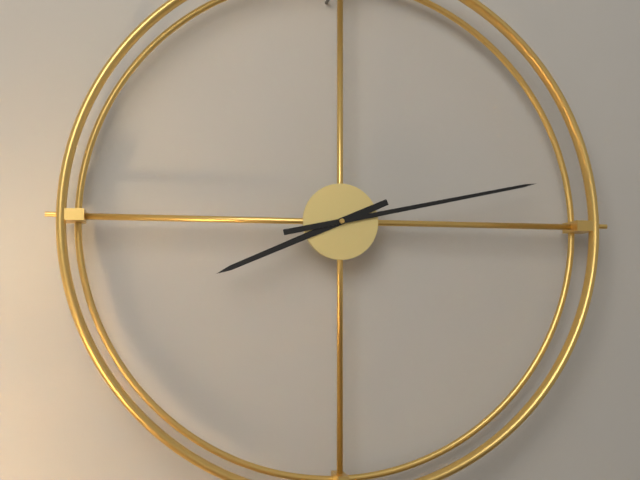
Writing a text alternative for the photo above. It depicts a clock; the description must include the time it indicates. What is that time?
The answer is 8:13
